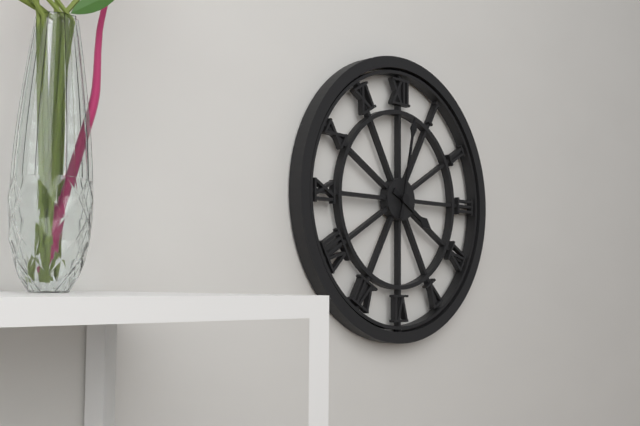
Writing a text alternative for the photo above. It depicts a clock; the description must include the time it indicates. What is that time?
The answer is 4:02
